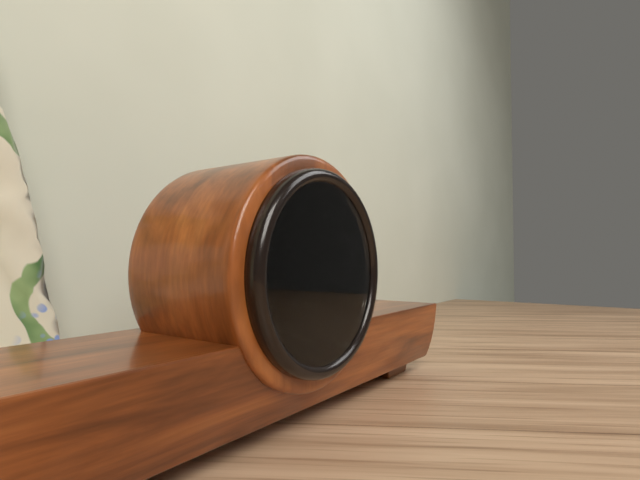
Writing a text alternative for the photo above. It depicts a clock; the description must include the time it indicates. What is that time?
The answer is 6:40
